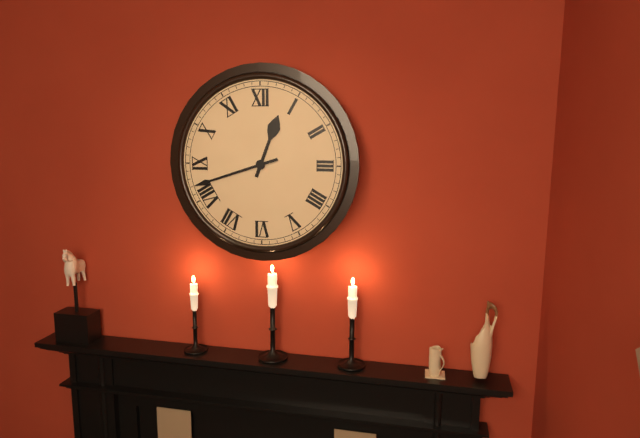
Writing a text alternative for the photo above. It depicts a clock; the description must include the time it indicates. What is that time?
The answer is 12:42
